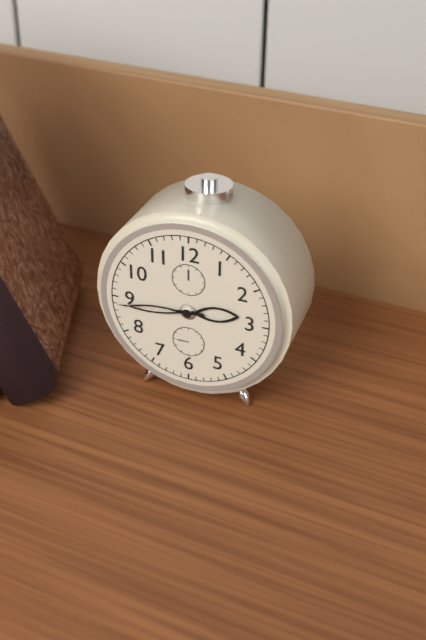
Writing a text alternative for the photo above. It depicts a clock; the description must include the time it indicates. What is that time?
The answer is 2:44
